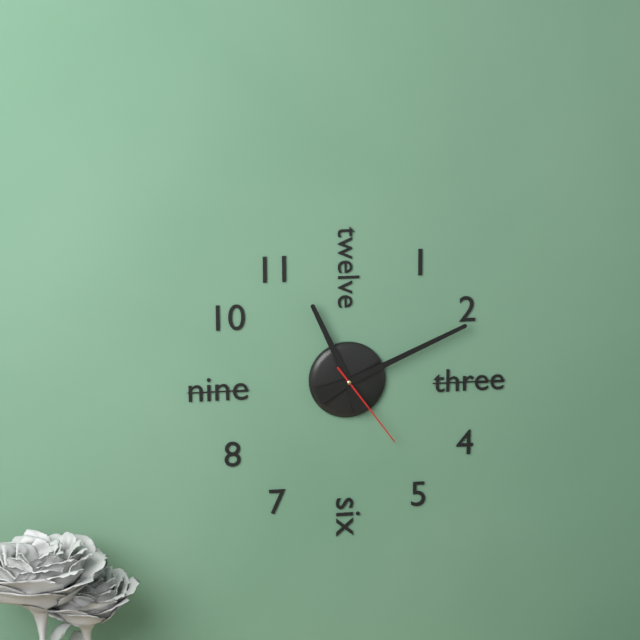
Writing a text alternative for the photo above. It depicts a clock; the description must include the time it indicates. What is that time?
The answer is 11:11:24
